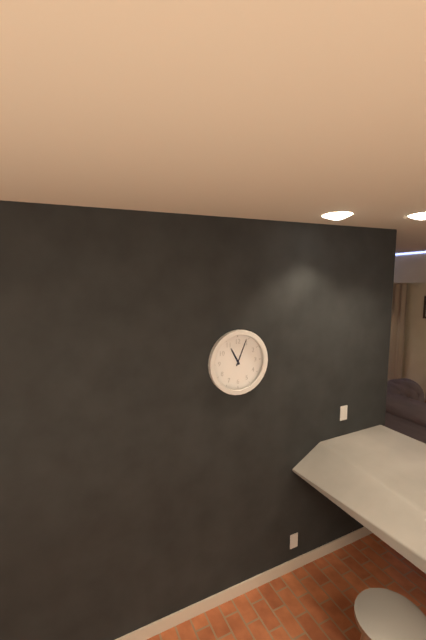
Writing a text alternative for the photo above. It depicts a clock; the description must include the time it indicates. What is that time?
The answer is 11:04
